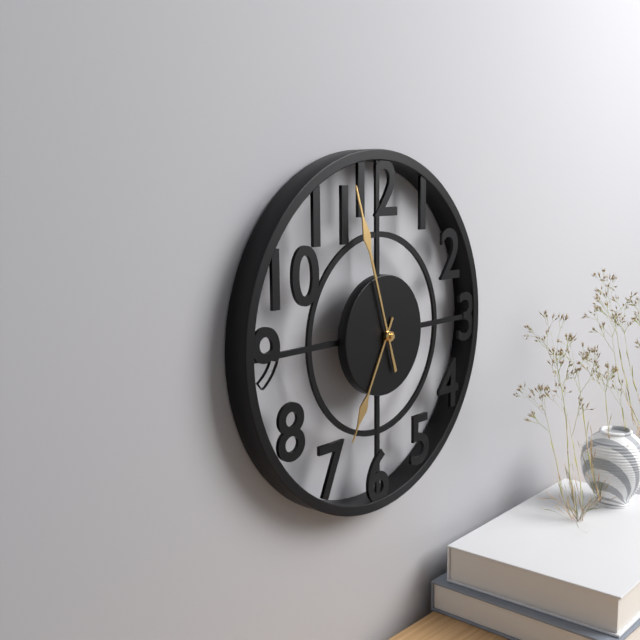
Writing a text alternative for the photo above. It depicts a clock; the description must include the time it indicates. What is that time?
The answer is 6:57
